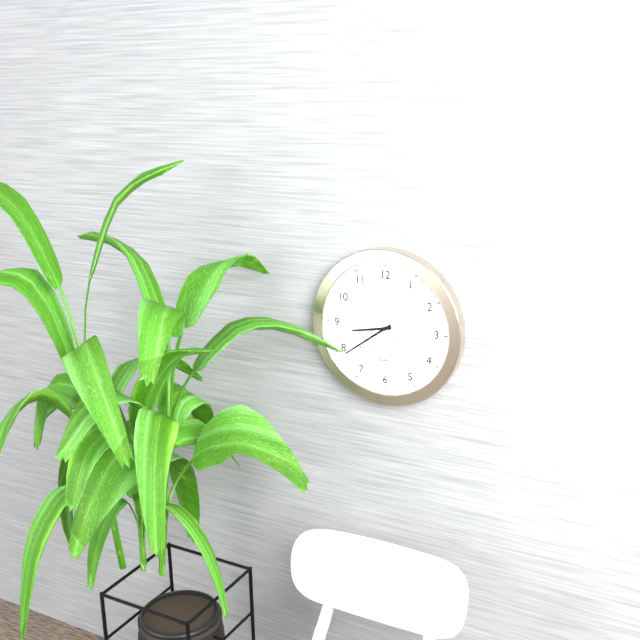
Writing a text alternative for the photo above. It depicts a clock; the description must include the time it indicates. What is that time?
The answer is 8:39:03
